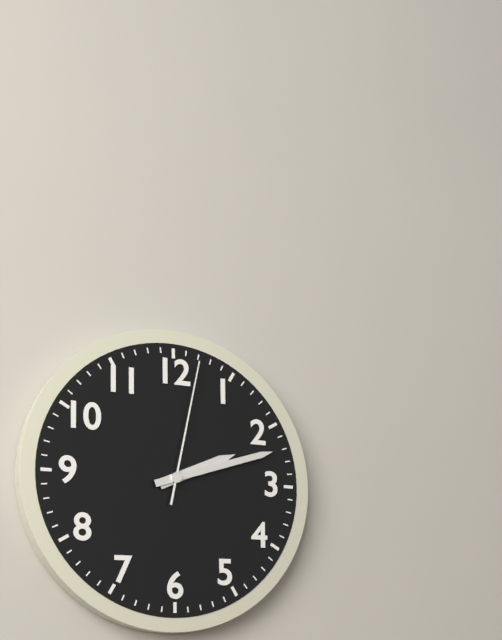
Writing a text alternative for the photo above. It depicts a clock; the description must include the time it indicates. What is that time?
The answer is 2:12:02
